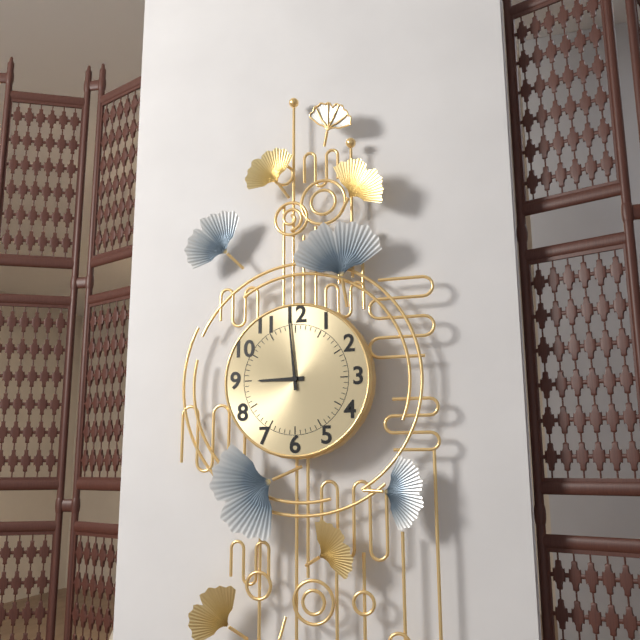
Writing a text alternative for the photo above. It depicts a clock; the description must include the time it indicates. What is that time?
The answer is 8:59
